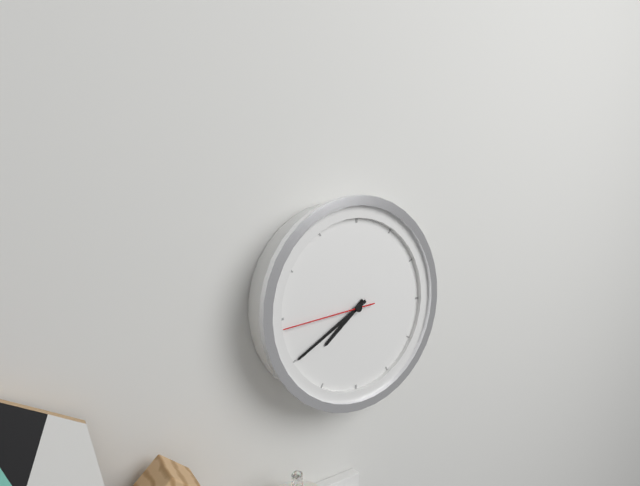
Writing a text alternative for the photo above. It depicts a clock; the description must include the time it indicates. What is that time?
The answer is 7:40:44
